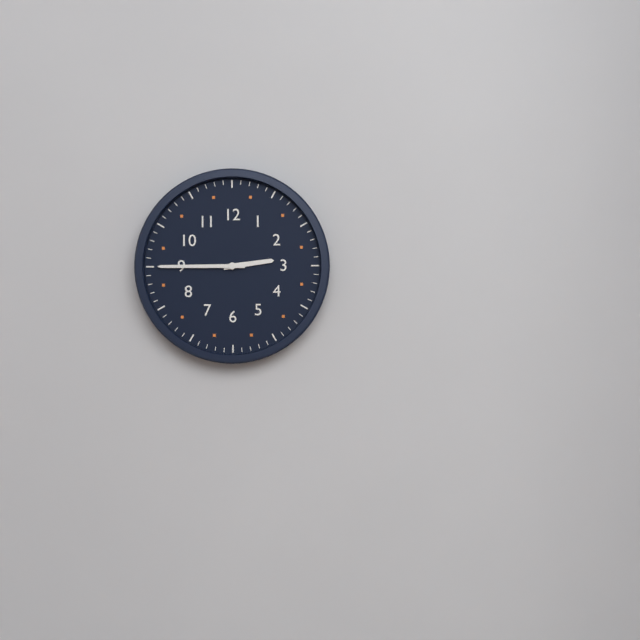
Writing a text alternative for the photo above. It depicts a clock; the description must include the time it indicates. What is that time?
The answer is 2:45
